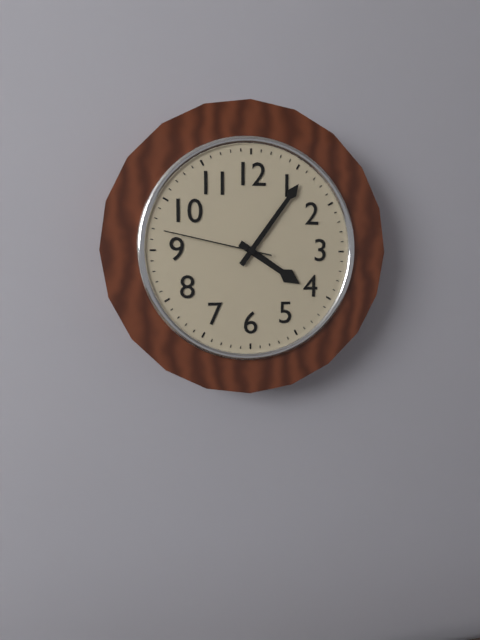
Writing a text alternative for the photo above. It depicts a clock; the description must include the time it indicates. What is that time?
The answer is 4:06:47
